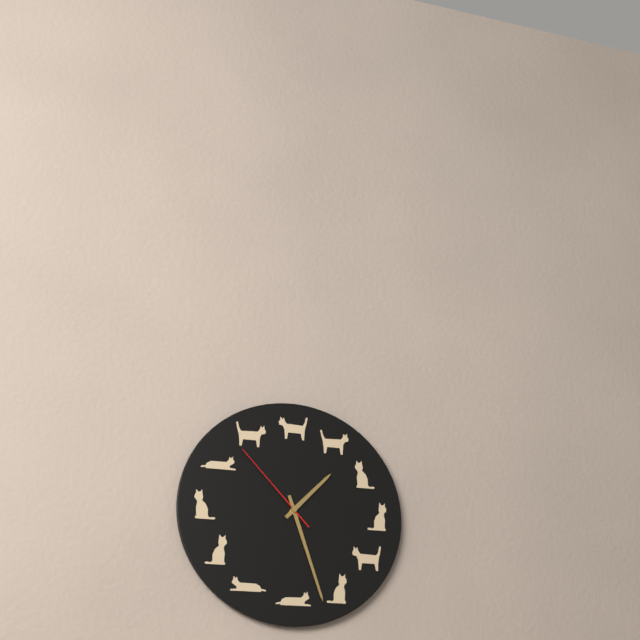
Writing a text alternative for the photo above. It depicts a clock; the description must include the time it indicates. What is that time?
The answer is 1:27:53
